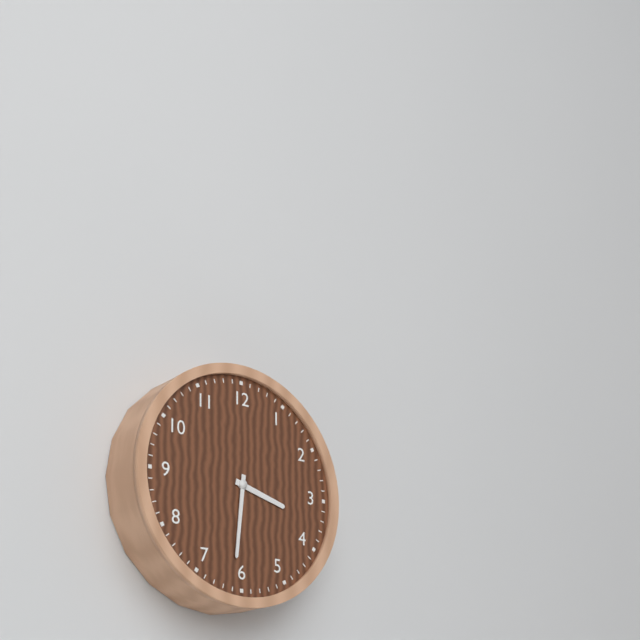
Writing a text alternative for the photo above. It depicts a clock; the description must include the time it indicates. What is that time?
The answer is 3:31
